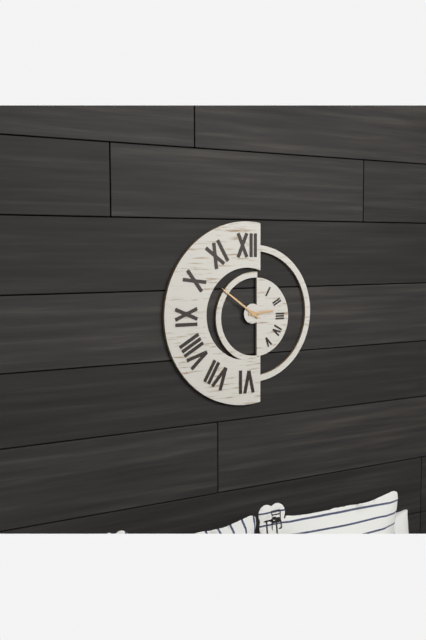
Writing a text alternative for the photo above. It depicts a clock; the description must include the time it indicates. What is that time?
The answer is 2:51
